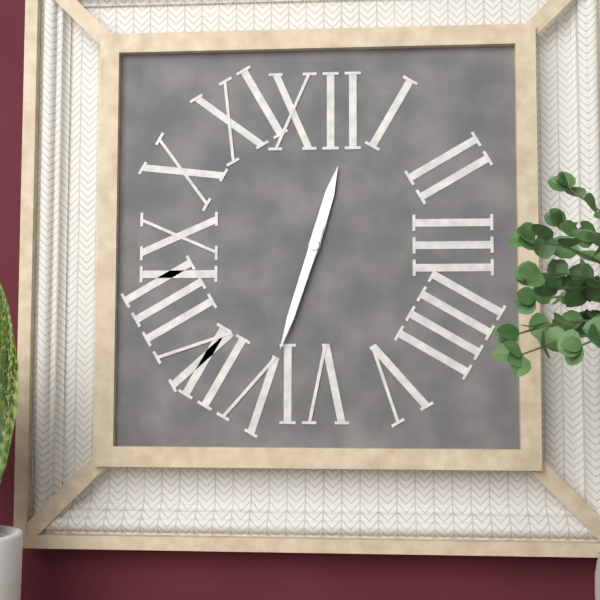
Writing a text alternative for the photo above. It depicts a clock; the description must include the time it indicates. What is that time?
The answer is 12:33
